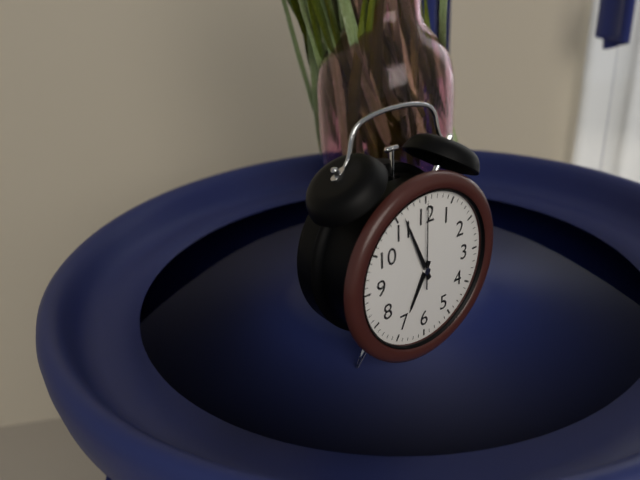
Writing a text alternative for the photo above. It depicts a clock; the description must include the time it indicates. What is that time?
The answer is 6:56:00
